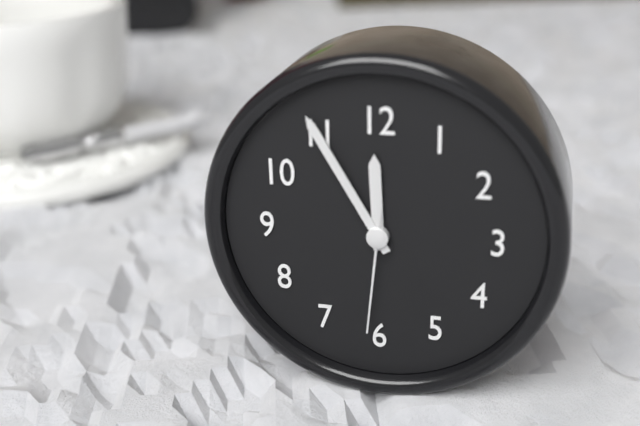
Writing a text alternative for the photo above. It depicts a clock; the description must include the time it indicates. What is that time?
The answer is 11:55:31
